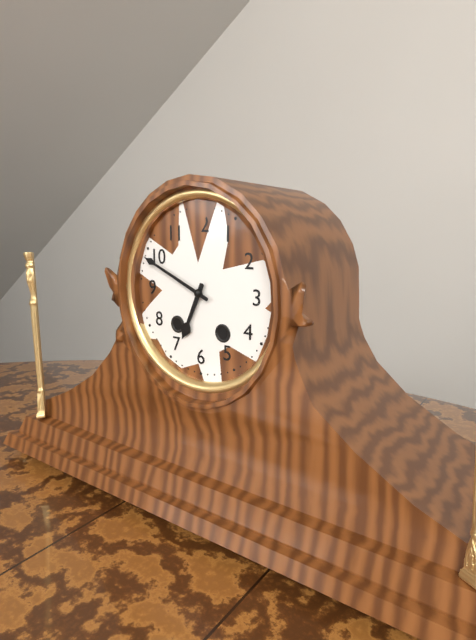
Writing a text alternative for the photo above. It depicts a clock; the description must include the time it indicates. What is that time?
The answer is 6:49
